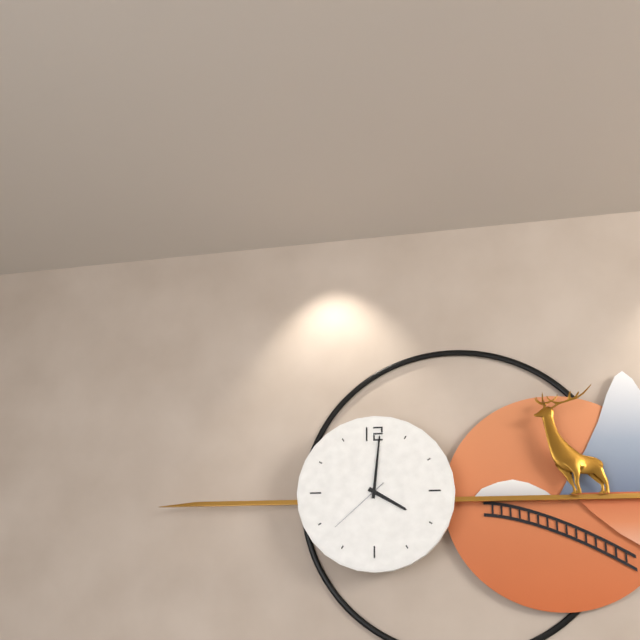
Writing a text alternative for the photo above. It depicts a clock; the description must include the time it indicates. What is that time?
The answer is 4:01:38
